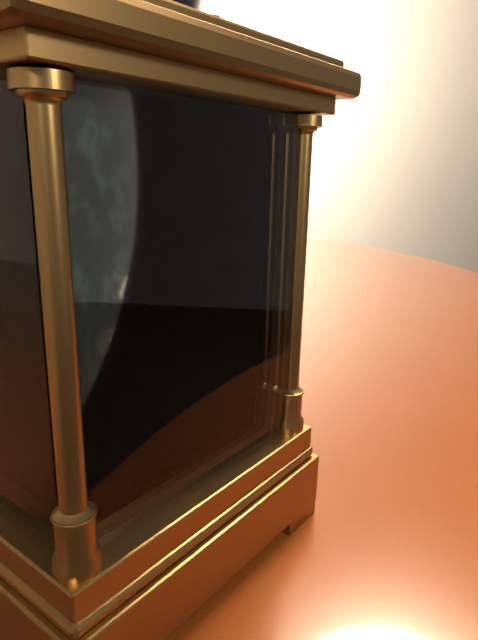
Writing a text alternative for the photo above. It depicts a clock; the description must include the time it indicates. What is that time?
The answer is 10:04
